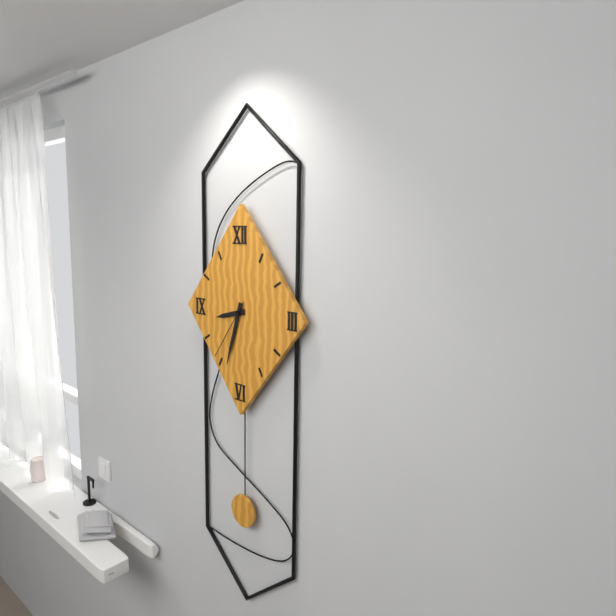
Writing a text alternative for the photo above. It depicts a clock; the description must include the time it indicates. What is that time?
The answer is 8:33:36
